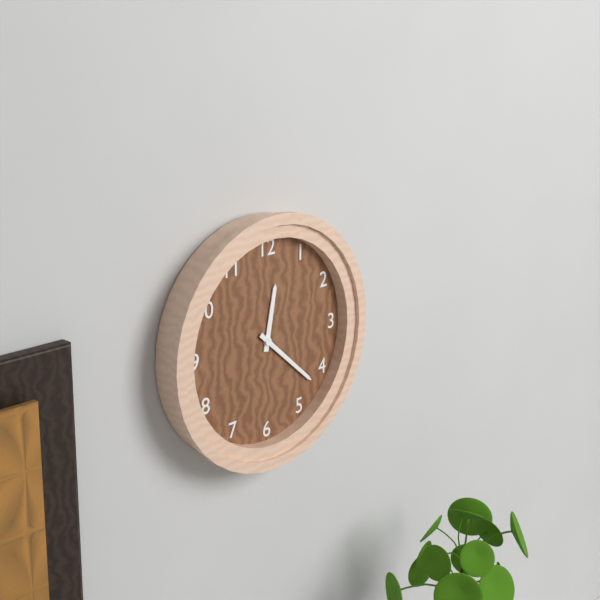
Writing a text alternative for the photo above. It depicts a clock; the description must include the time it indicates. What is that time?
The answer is 12:22
